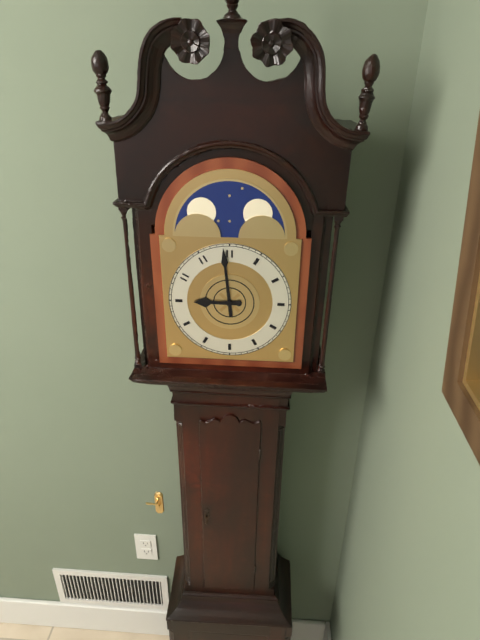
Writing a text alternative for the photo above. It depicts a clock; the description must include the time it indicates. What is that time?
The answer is 8:59
